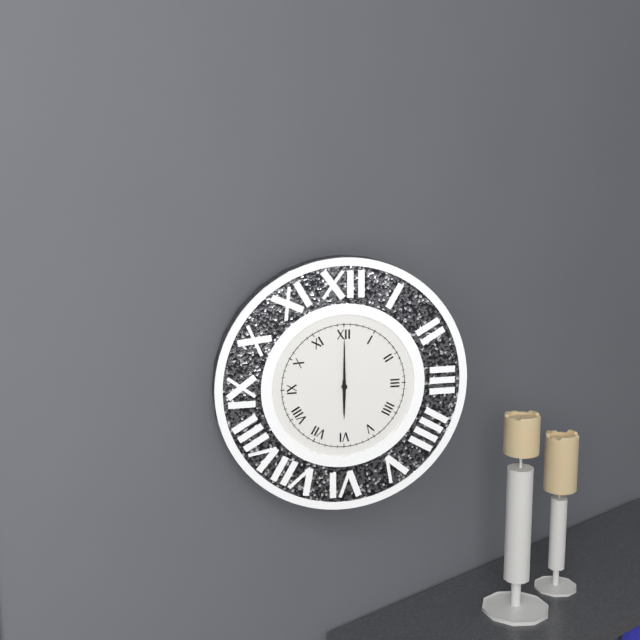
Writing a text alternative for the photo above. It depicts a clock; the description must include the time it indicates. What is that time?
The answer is 6:00
